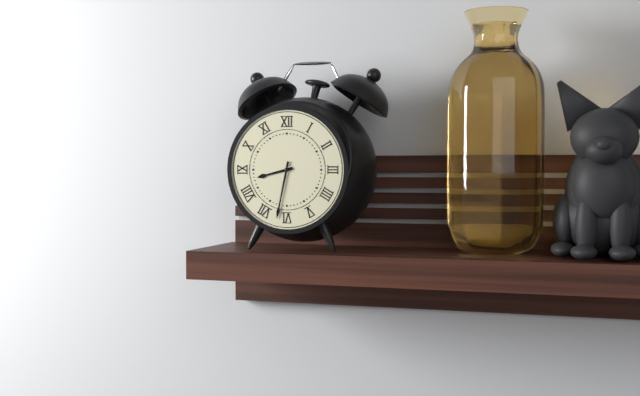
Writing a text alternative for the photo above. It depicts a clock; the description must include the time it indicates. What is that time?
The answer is 8:32
